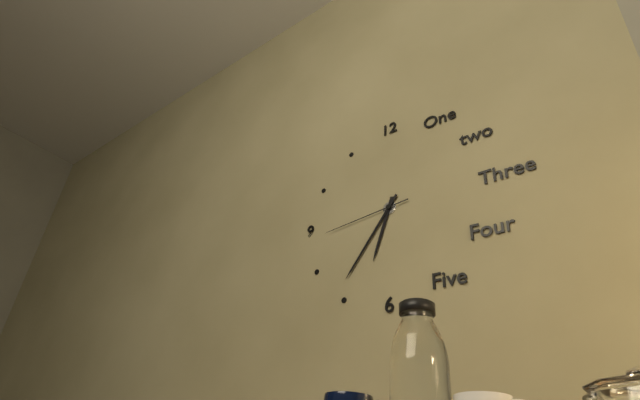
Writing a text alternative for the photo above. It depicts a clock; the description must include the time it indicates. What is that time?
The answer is 6:36:44
